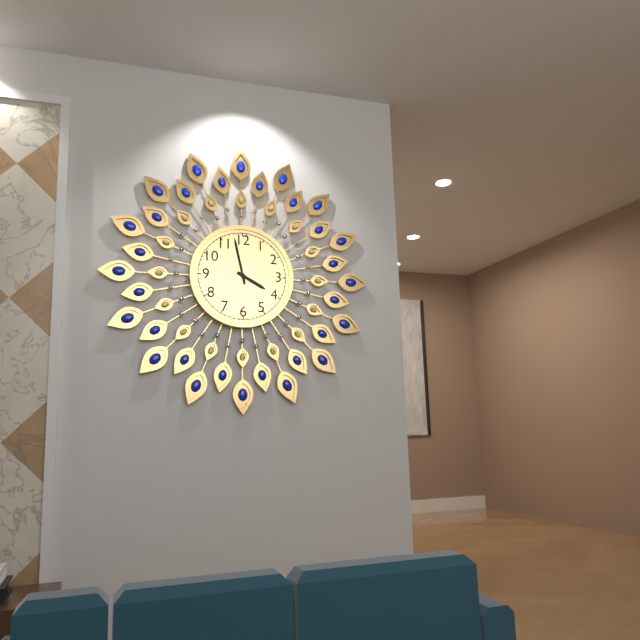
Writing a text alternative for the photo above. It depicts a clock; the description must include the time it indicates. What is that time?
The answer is 3:58
